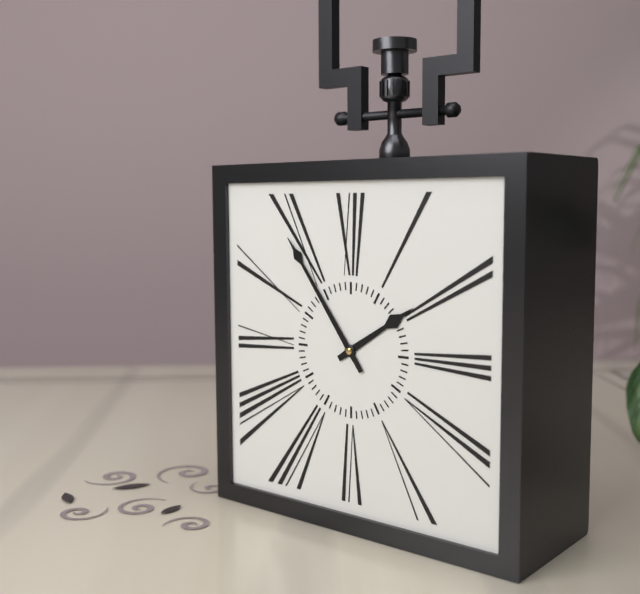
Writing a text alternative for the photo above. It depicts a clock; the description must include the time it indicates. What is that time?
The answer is 1:54
